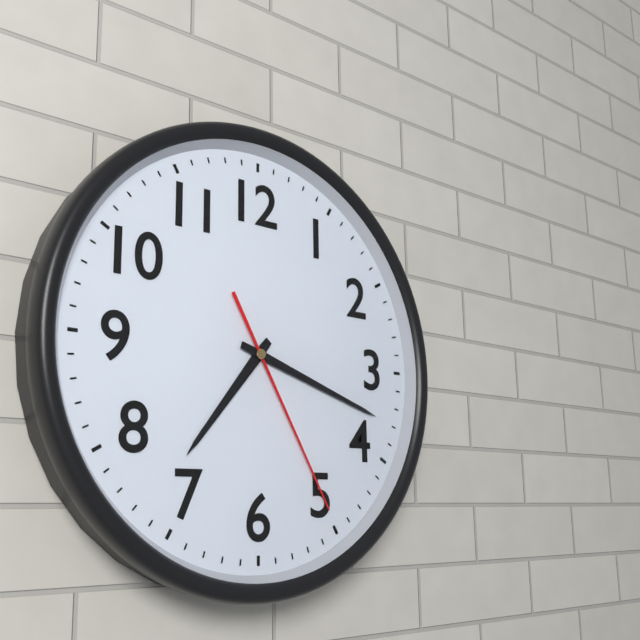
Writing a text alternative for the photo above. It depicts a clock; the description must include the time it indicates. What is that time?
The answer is 7:18:25
